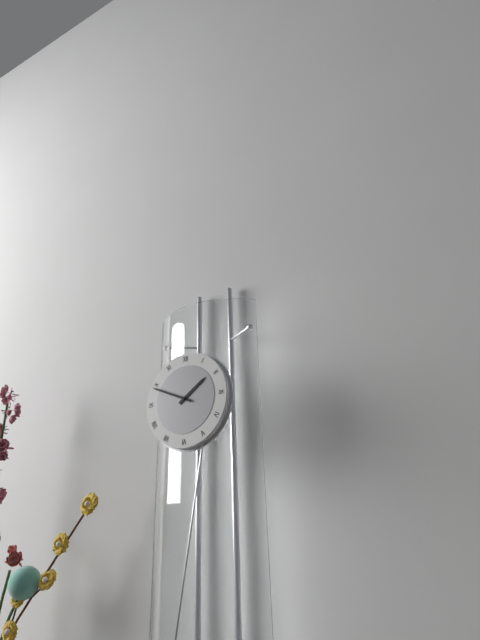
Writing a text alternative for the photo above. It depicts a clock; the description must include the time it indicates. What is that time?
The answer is 1:49
